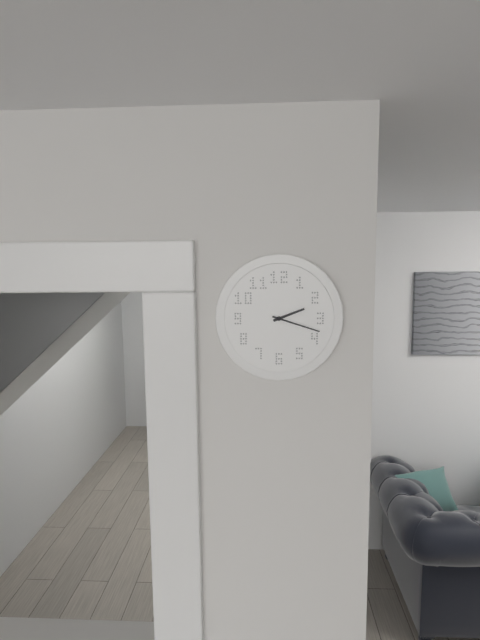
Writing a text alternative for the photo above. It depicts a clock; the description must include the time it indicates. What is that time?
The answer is 2:18
